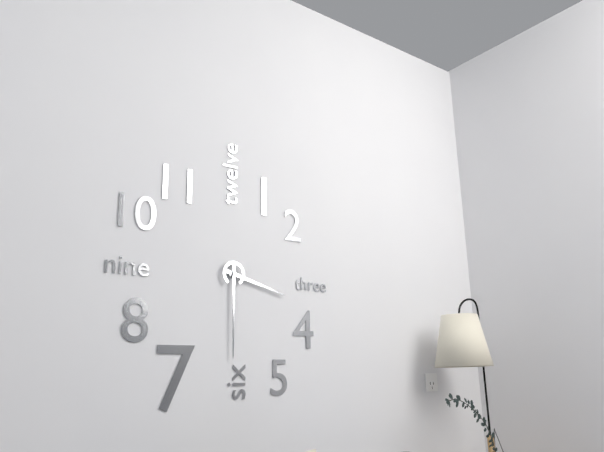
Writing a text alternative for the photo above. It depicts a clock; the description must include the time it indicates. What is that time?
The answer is 3:30
